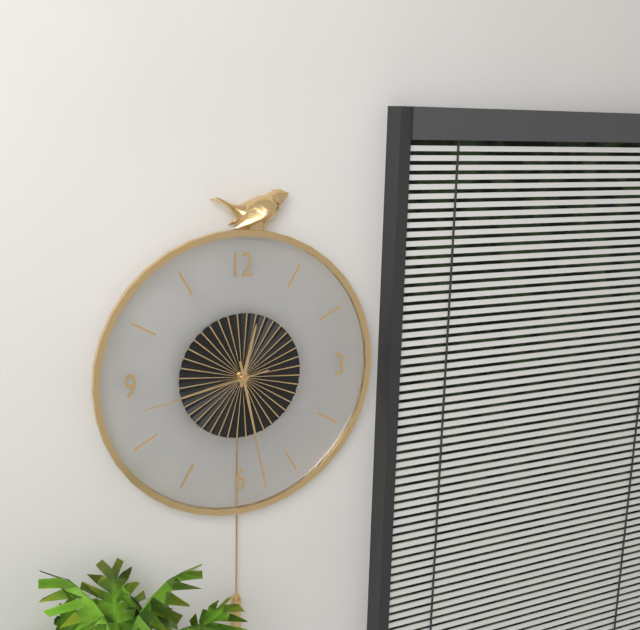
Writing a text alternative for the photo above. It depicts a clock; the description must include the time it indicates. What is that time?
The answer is 12:28:43
